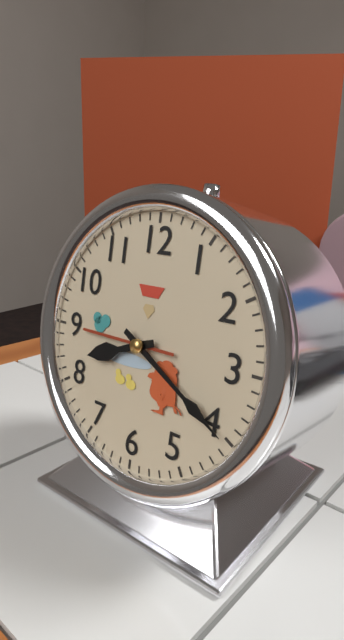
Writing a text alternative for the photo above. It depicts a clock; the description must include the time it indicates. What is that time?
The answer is 8:20
